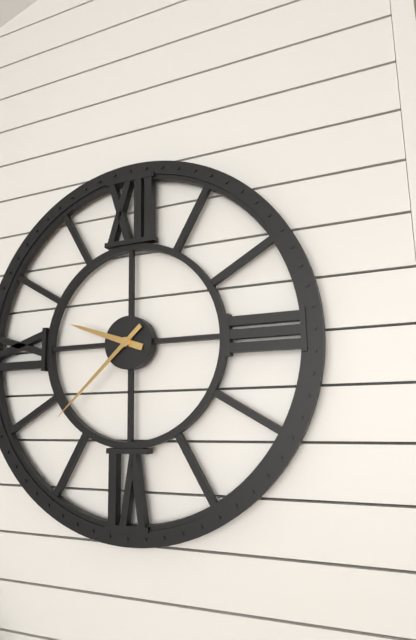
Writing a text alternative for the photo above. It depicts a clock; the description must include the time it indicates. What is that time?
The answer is 9:38
